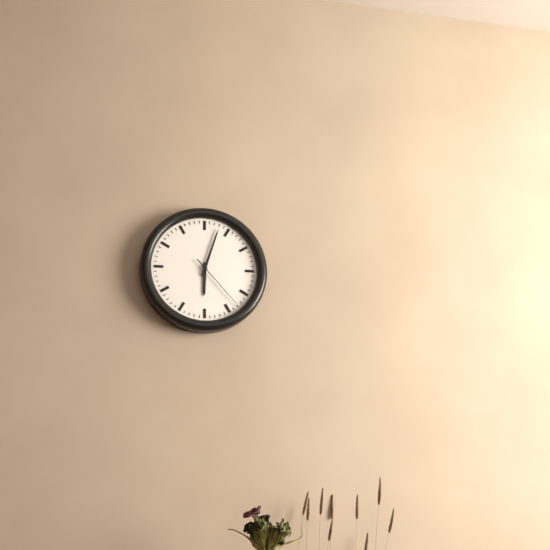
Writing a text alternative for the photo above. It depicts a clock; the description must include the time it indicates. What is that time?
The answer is 6:03:23
